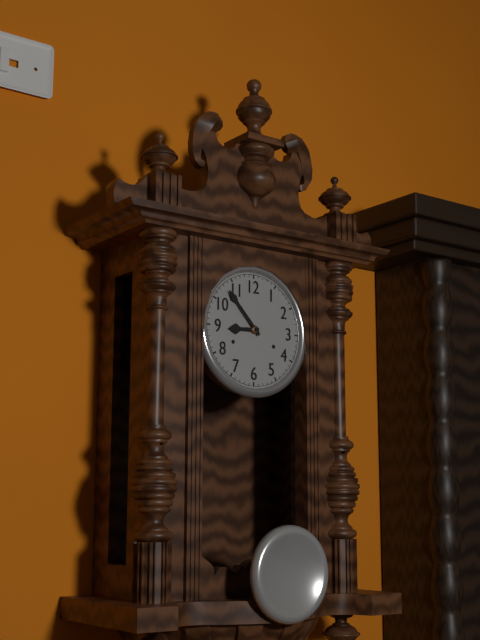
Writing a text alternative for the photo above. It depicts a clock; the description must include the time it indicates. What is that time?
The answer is 8:53
